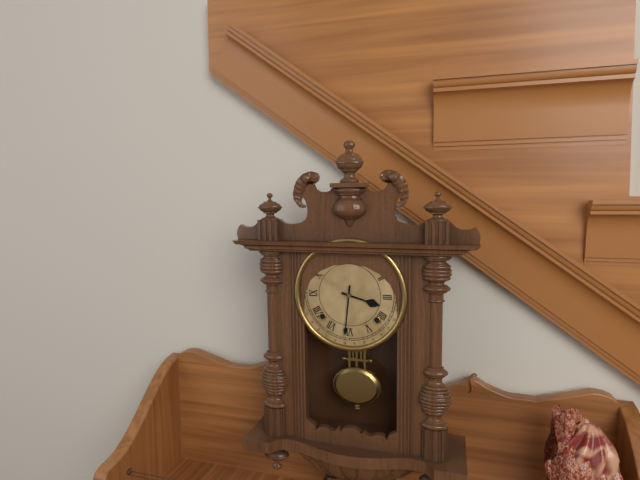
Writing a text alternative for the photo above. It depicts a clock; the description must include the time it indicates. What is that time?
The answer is 3:31
